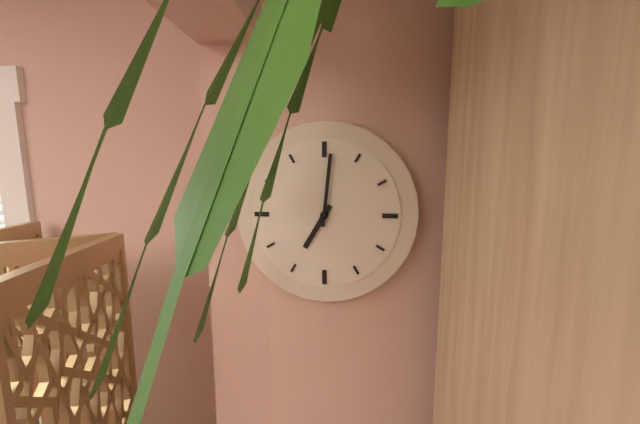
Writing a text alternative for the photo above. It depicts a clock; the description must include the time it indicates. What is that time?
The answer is 7:01
